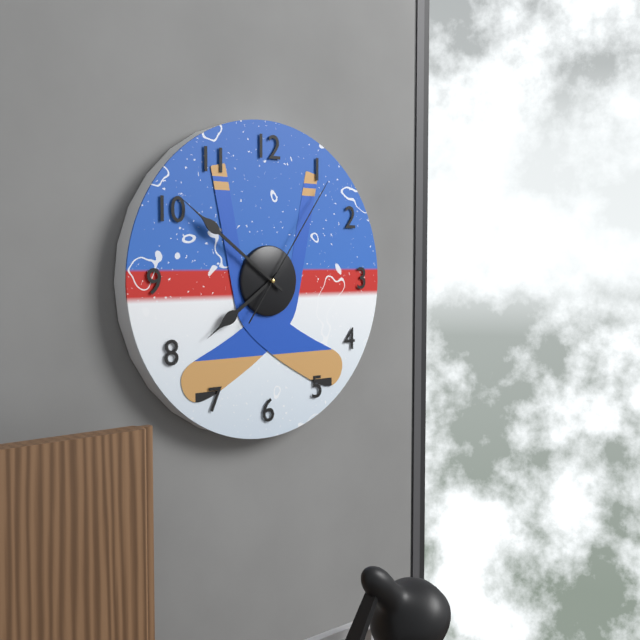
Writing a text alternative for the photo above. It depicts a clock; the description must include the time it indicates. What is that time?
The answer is 7:51:06
